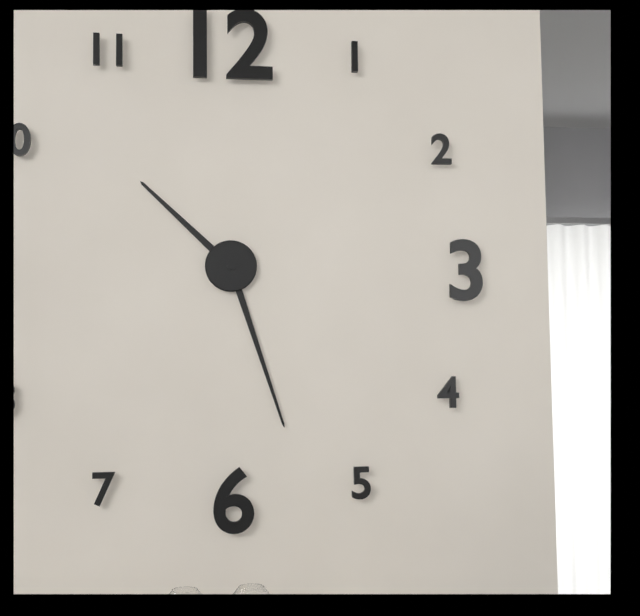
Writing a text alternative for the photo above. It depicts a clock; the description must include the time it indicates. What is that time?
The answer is 10:27
